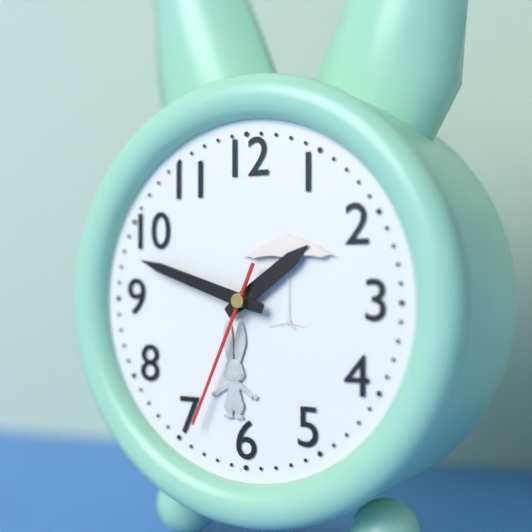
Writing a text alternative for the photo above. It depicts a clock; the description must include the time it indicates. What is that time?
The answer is 1:48:34
